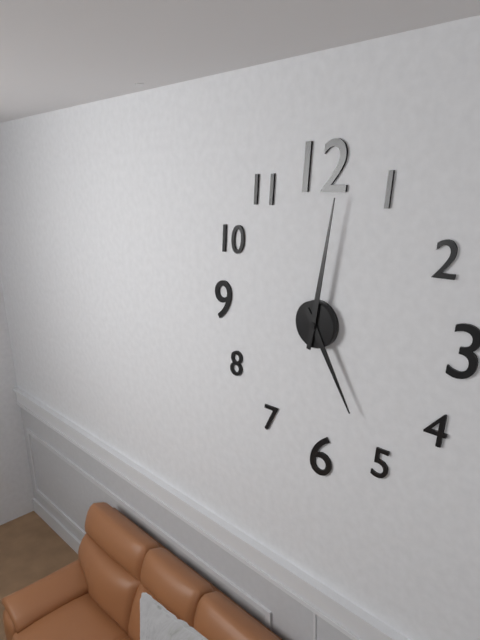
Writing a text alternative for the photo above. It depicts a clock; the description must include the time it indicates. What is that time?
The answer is 5:02
